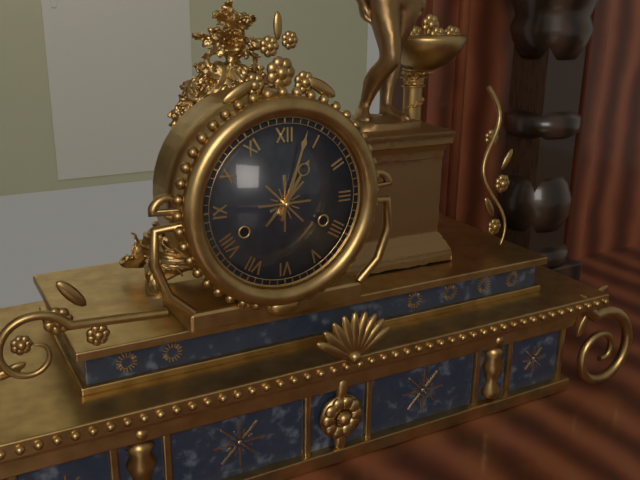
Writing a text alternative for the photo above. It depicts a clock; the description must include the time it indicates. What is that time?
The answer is 1:03
